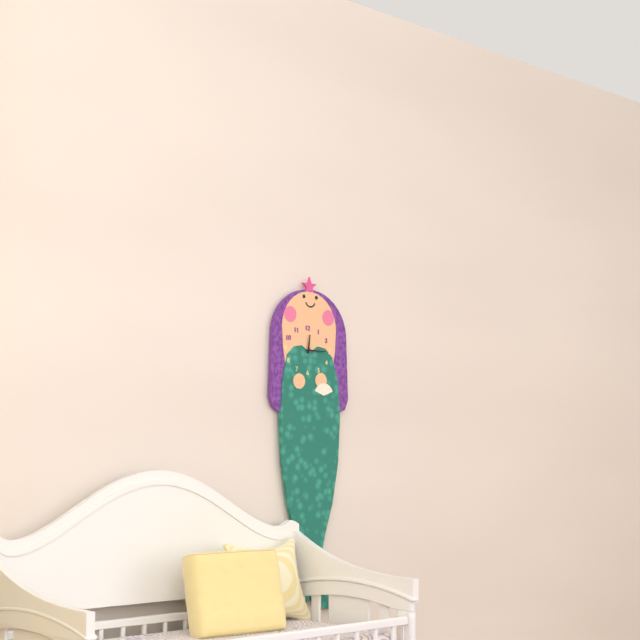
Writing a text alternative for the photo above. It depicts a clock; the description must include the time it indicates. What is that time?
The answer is 12:15
